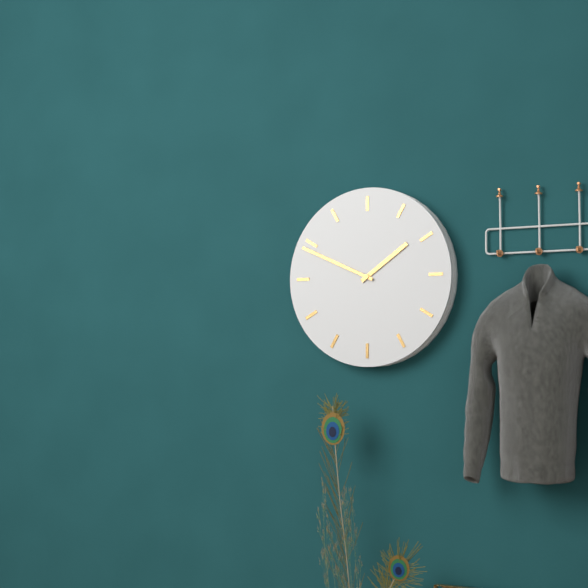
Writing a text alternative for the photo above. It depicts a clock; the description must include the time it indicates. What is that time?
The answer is 1:49
